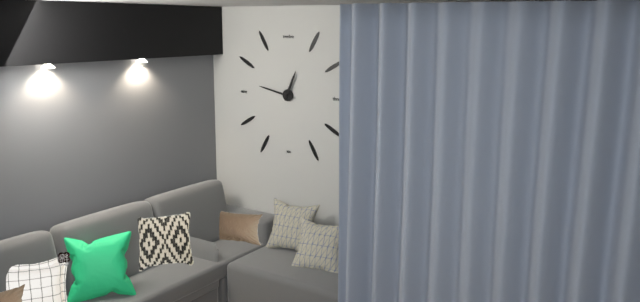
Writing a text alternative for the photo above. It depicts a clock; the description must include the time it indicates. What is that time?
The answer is 12:47
